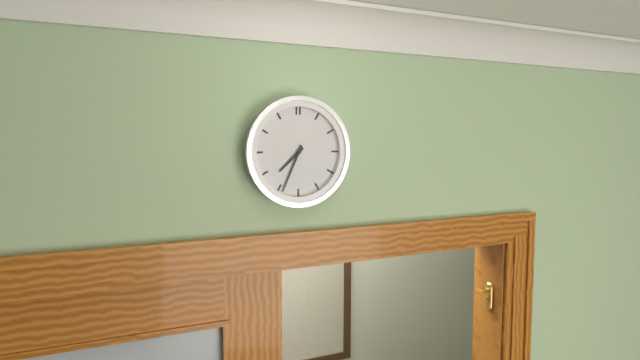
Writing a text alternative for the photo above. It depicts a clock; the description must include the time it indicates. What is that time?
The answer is 7:34
